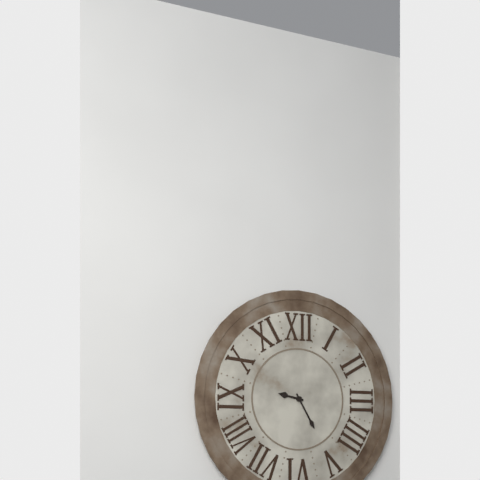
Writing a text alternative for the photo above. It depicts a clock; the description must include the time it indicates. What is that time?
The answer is 9:25
